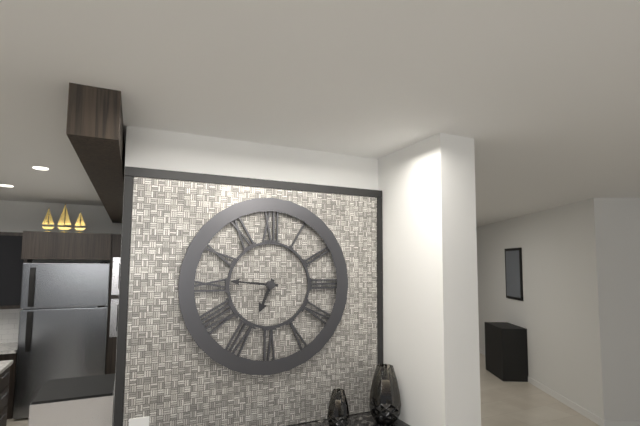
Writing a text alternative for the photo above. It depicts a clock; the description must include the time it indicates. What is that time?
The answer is 6:46
